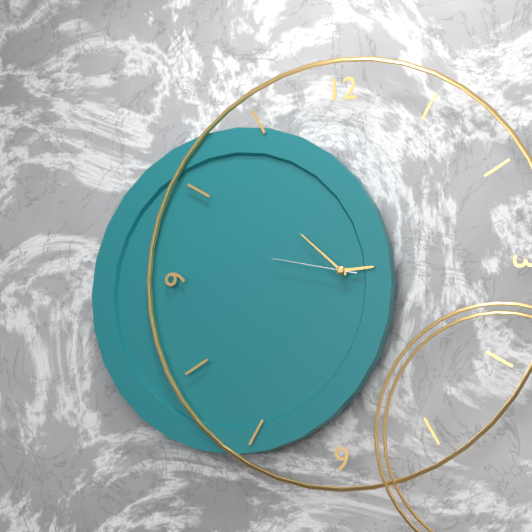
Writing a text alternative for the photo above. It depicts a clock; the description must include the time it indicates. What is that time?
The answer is 2:52:47
